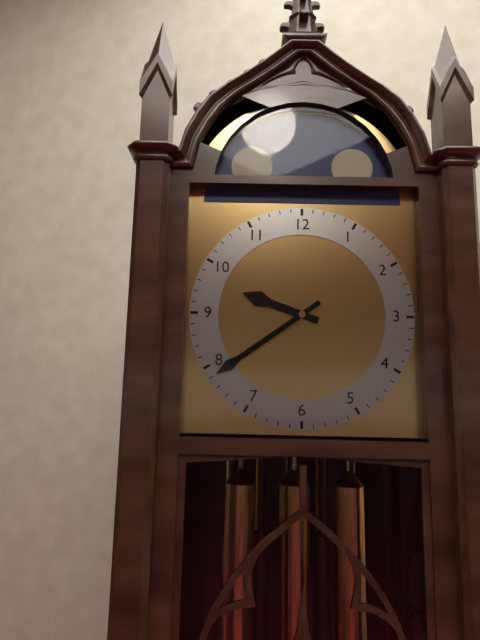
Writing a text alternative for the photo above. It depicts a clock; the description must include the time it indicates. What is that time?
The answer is 9:39
